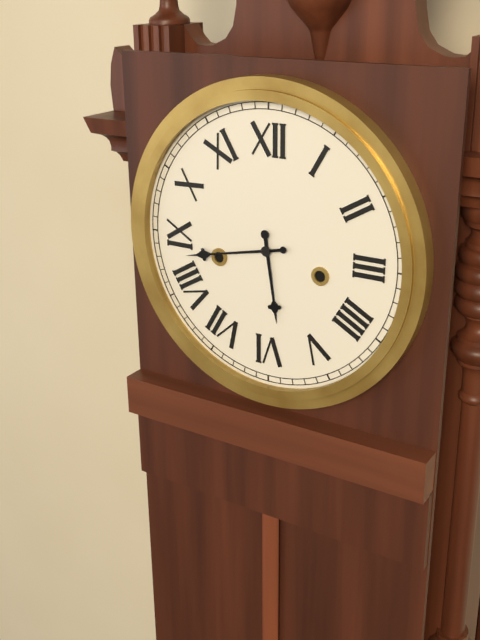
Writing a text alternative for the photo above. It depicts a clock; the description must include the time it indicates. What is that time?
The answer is 5:43
